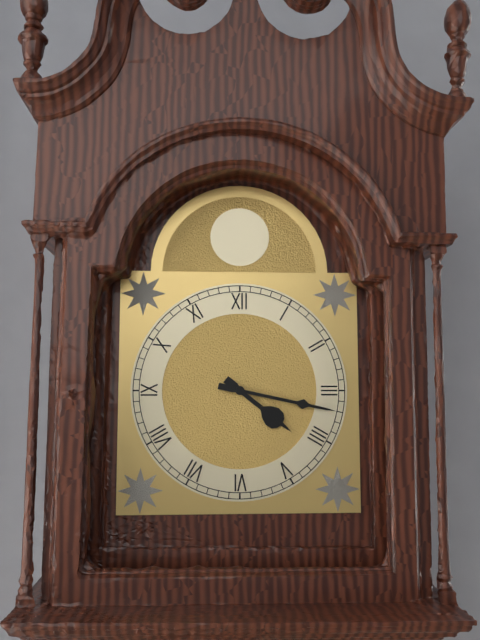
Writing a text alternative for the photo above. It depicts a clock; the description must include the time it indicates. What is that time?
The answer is 4:17
